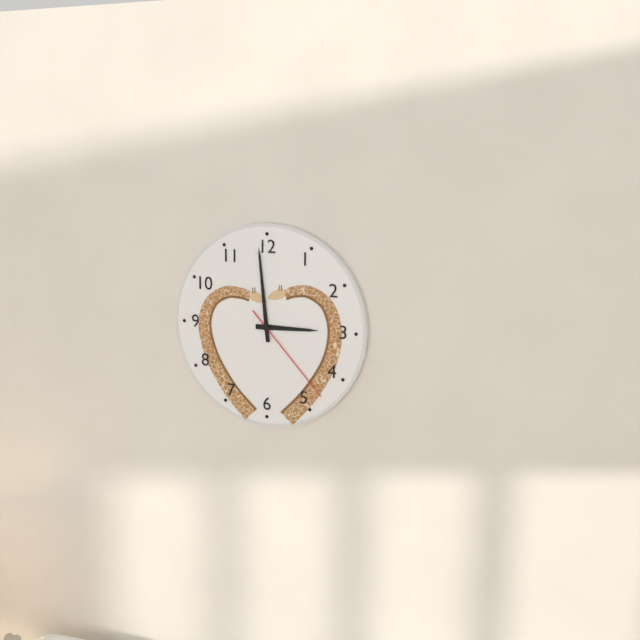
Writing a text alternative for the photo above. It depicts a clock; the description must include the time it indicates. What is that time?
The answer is 2:59:23
